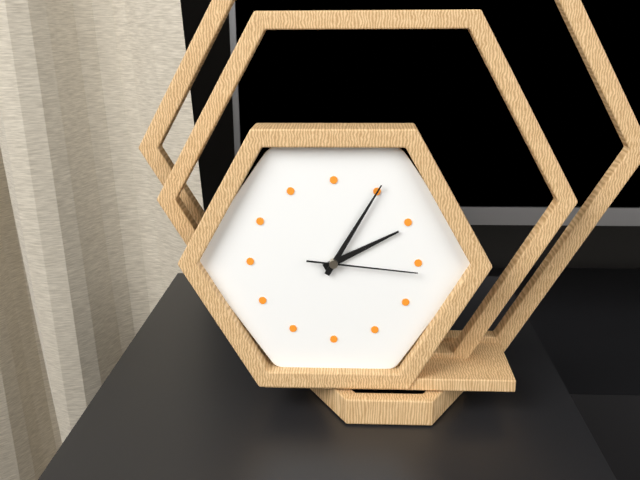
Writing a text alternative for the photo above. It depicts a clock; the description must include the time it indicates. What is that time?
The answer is 2:05:16
